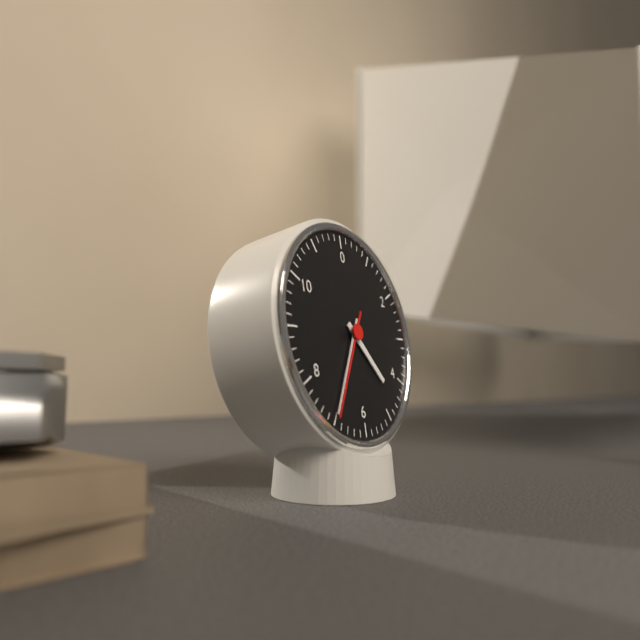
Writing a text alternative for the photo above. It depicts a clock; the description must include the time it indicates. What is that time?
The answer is 4:35:35
